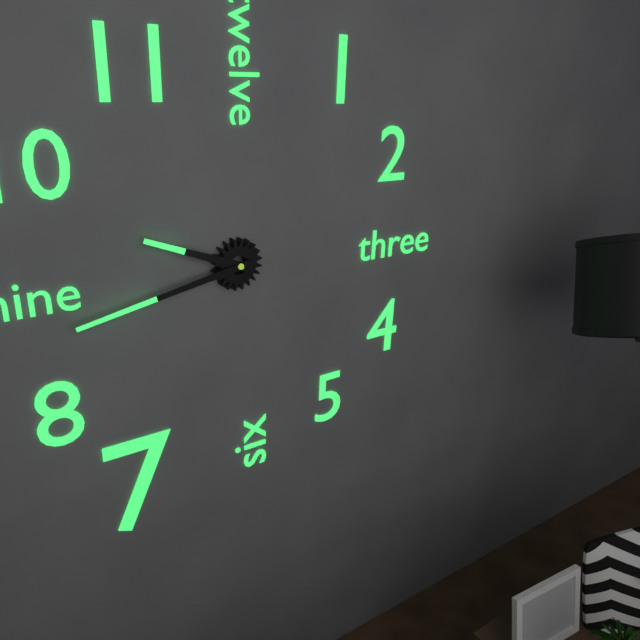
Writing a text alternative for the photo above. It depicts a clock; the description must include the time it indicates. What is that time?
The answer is 9:43
